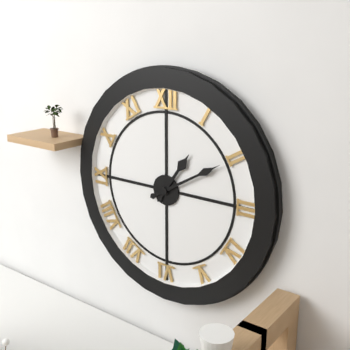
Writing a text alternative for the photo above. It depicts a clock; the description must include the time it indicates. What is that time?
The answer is 1:10
